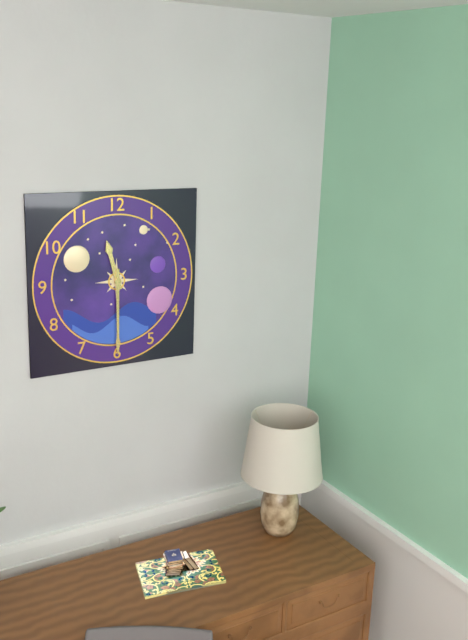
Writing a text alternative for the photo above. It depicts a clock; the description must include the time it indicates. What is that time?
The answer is 11:30
